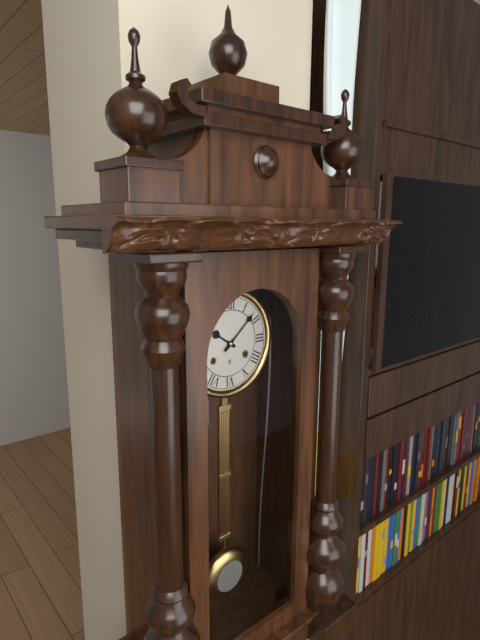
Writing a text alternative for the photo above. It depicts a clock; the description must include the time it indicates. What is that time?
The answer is 10:08
